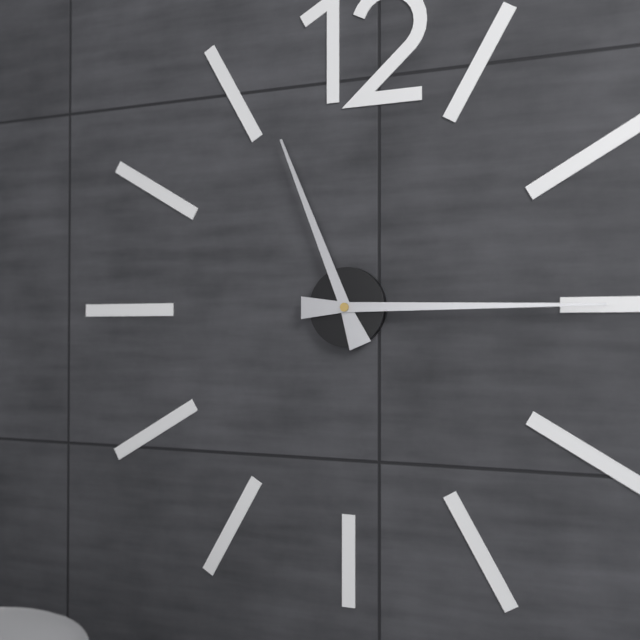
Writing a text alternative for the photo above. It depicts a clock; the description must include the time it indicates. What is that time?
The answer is 11:15
